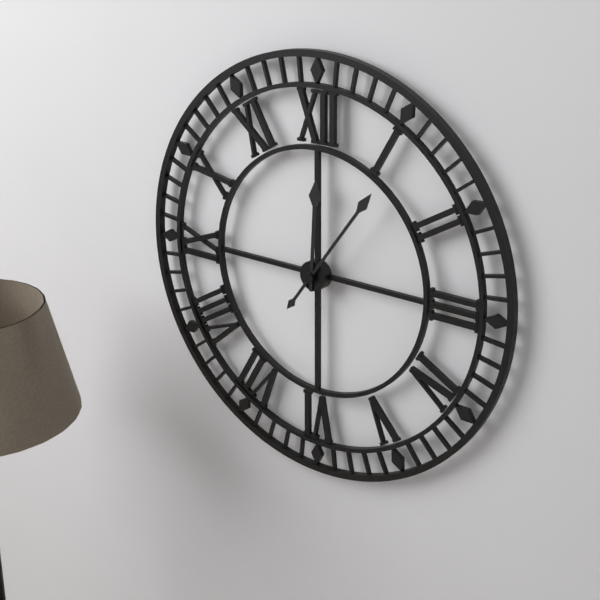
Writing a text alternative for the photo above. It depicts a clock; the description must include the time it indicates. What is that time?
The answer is 12:06
